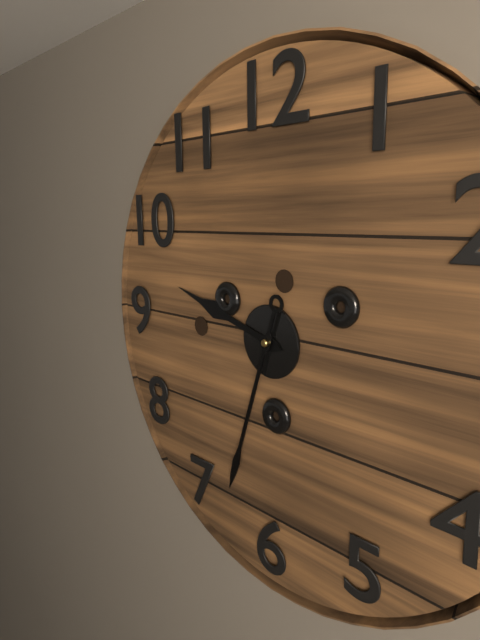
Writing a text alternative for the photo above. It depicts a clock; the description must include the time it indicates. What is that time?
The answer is 9:33
